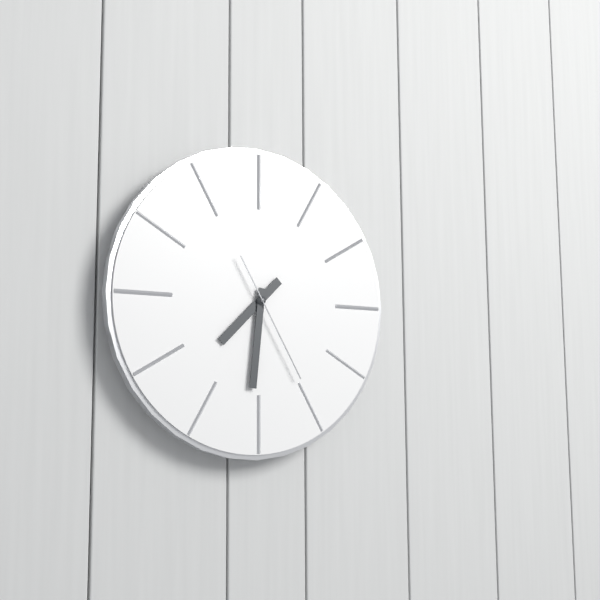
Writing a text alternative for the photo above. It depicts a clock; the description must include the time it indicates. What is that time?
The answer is 7:31:25
